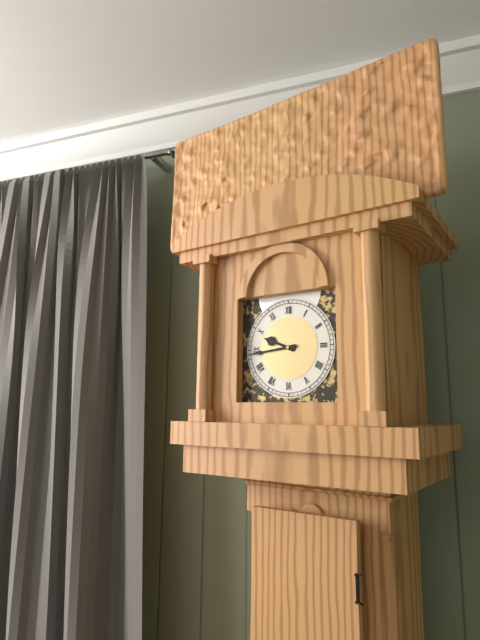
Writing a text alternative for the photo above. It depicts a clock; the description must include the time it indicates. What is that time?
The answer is 9:44
